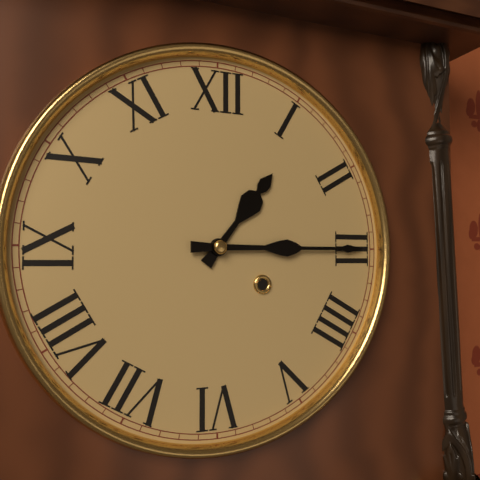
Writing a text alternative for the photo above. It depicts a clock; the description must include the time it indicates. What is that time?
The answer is 1:15
